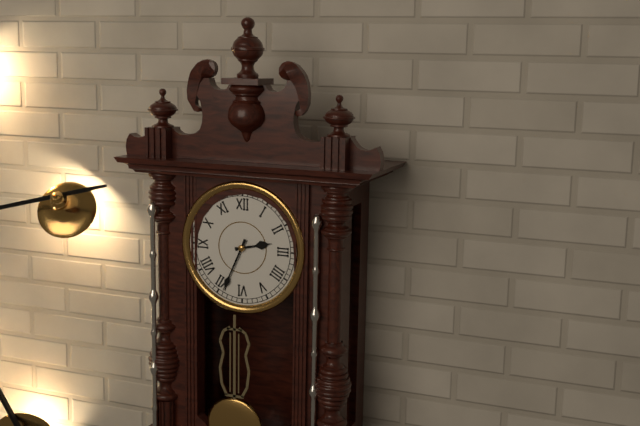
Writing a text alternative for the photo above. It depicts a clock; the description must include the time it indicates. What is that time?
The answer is 2:34
